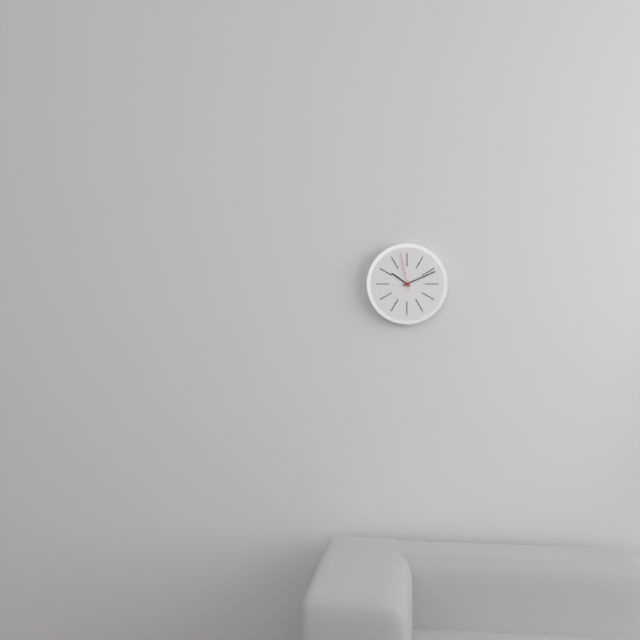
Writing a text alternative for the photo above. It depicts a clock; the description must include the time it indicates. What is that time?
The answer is 10:11
